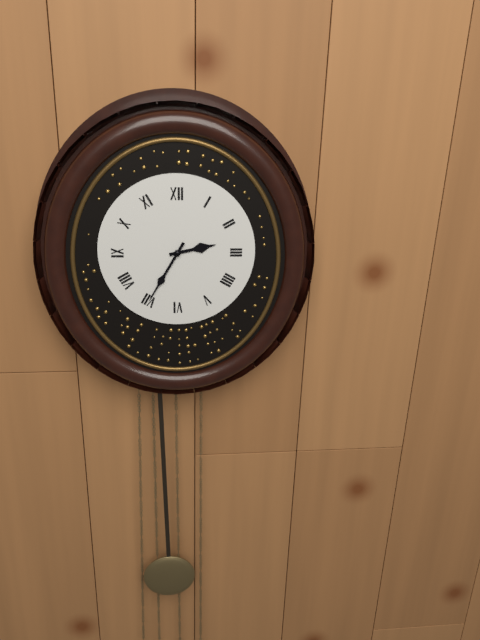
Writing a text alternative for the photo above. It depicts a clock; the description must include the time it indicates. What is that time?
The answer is 2:35
